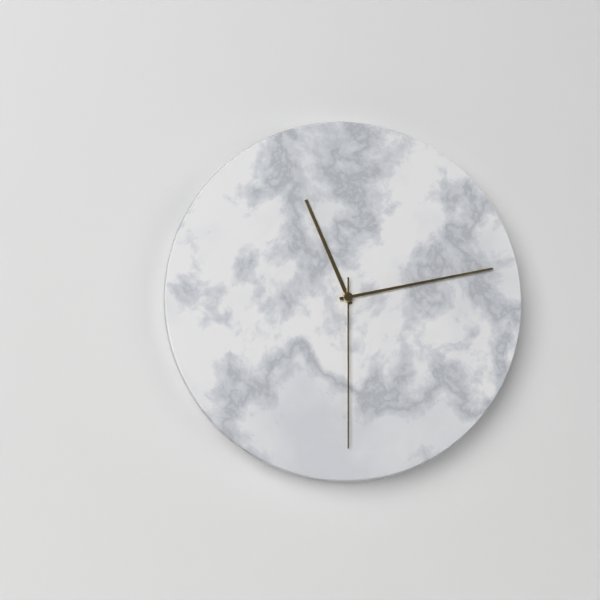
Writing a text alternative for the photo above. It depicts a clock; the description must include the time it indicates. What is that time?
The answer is 11:13:30
